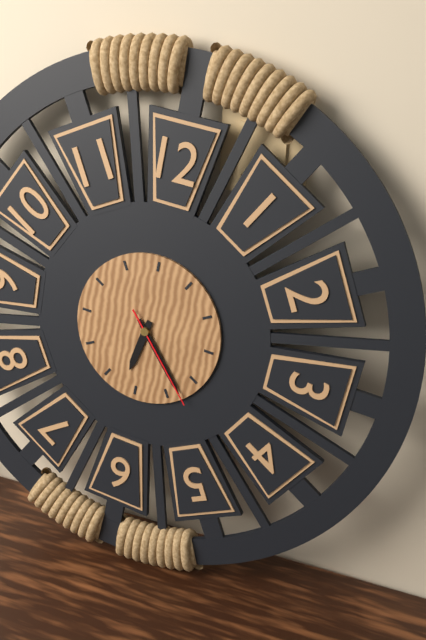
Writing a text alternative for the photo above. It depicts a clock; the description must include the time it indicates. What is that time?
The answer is 6:23:23
